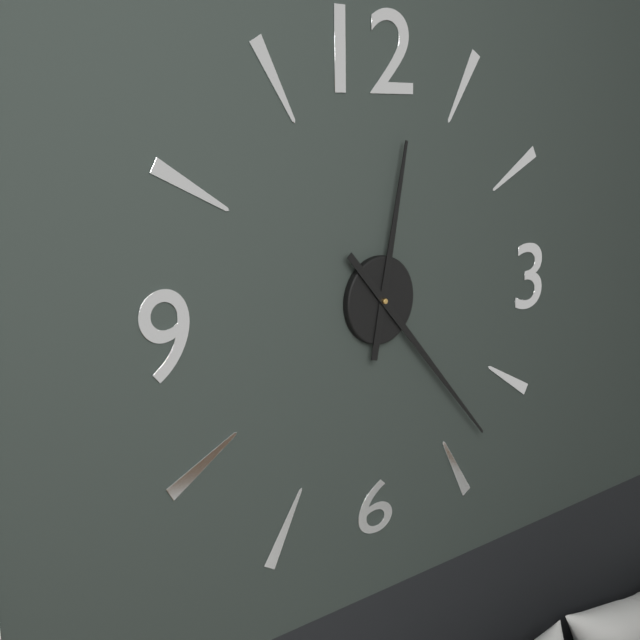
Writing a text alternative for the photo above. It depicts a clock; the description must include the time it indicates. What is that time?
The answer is 12:23
